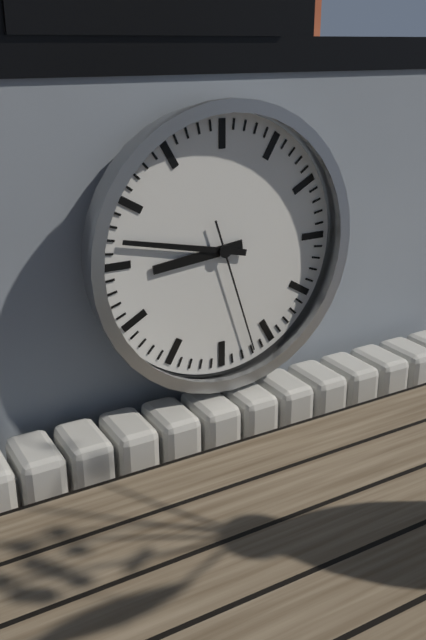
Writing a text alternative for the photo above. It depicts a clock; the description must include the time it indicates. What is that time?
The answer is 8:47:27
